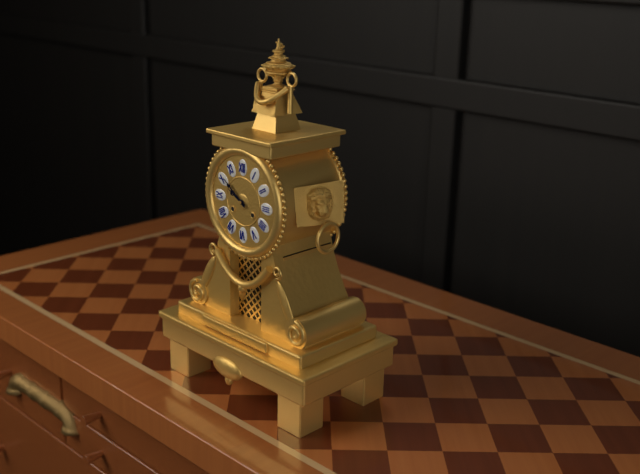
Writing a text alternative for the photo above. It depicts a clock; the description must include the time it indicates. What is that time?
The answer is 9:51
